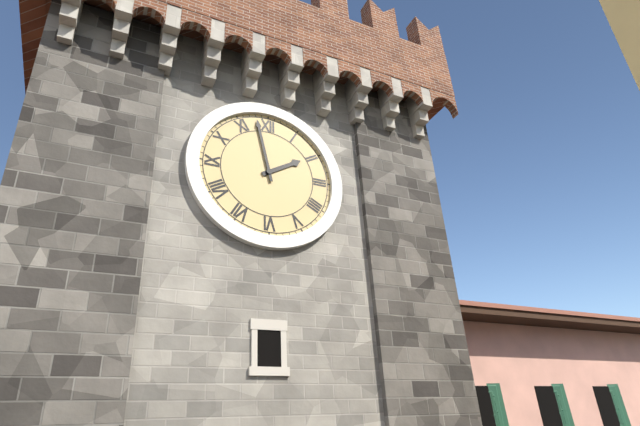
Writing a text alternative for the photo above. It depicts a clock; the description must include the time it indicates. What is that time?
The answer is 1:58
